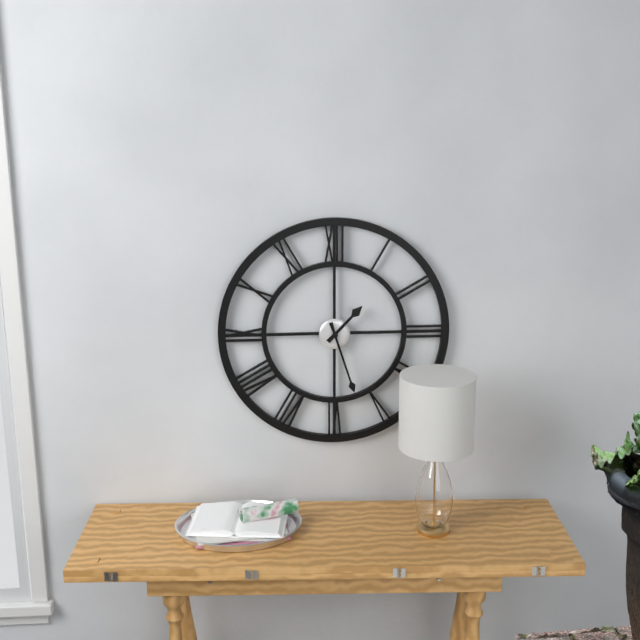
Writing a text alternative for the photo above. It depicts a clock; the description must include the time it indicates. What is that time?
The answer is 1:27
